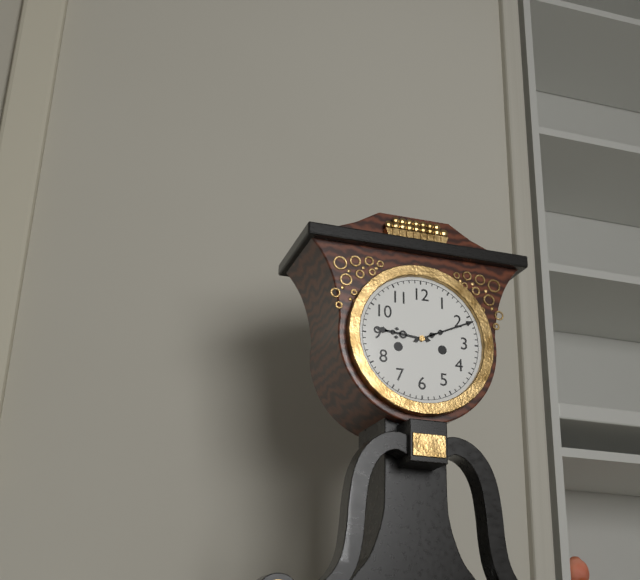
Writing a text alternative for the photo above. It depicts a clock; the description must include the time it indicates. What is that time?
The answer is 9:11
